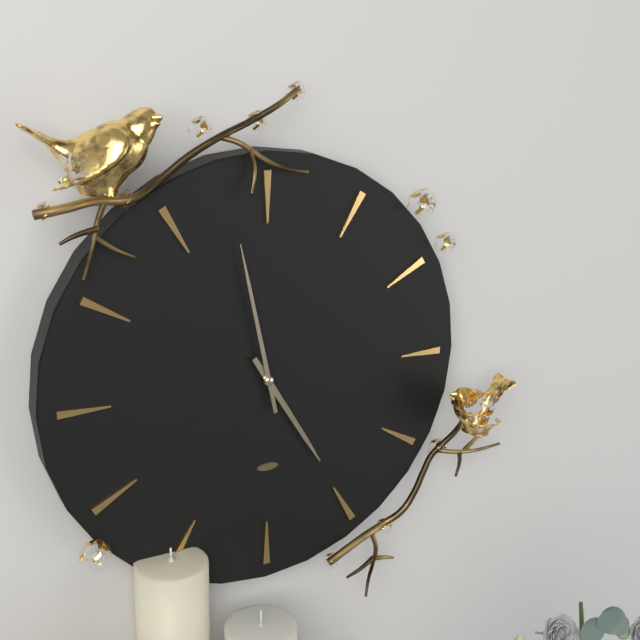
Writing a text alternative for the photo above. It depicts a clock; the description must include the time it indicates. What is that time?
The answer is 4:58
